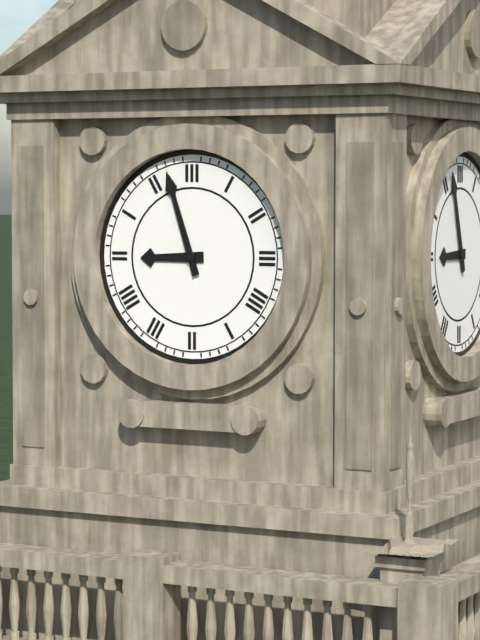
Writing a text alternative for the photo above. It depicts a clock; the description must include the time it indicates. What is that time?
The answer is 8:57
